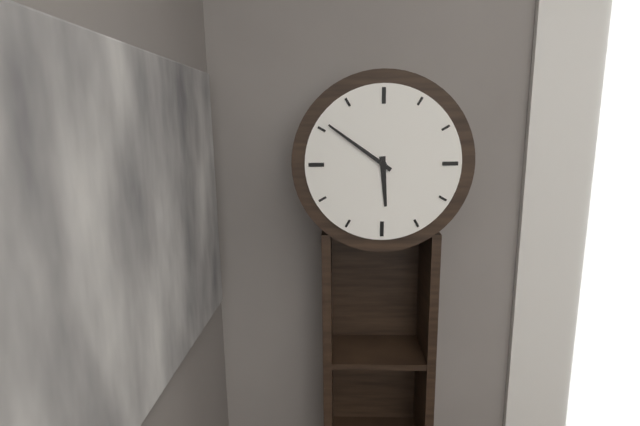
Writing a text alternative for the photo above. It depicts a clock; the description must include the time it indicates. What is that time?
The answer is 5:51
